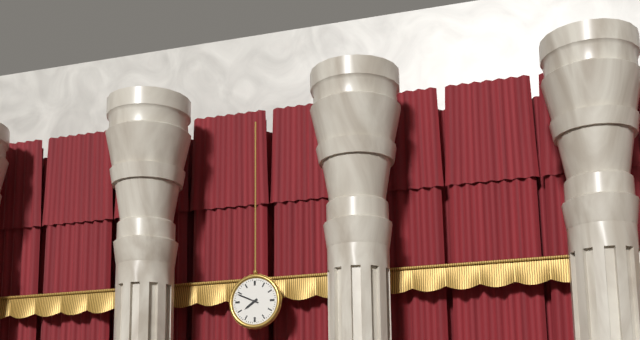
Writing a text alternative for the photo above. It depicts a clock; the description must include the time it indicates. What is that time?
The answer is 7:49
